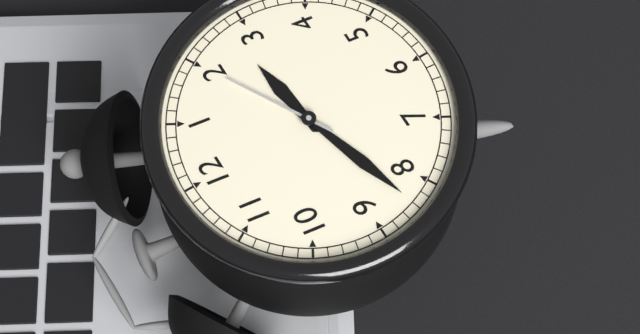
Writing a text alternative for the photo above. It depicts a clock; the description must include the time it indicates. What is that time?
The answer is 2:42:10
